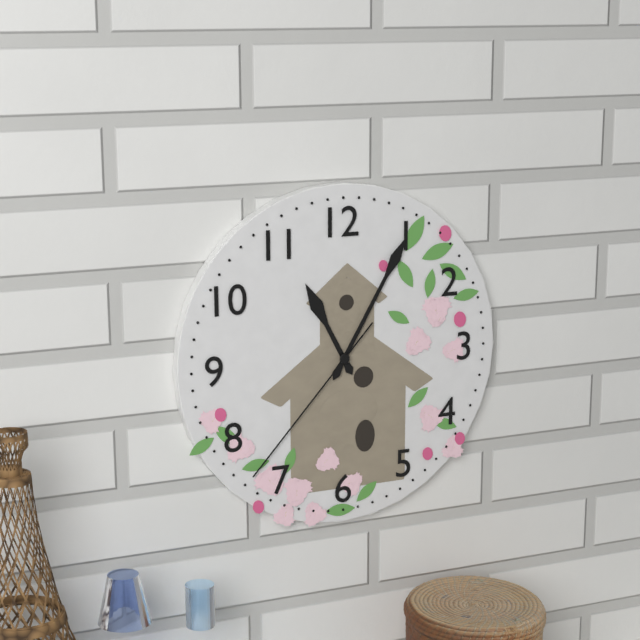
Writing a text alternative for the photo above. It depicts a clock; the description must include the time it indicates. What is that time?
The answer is 11:05:37
